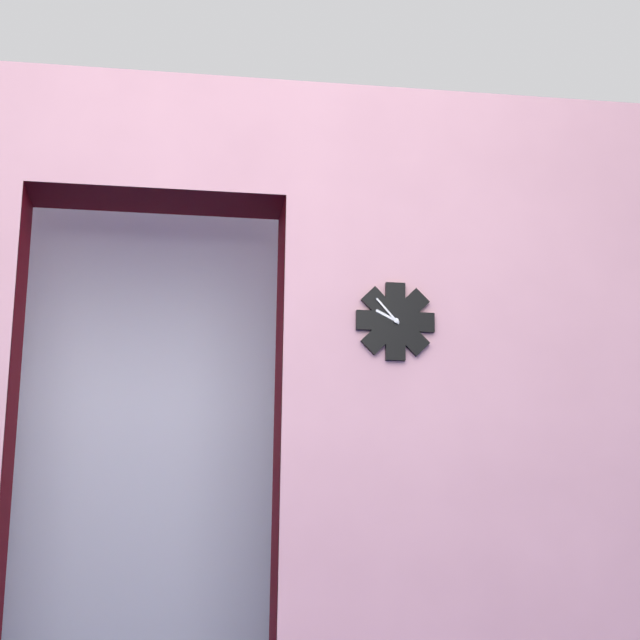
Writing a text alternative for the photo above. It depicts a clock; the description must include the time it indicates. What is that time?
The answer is 9:53
